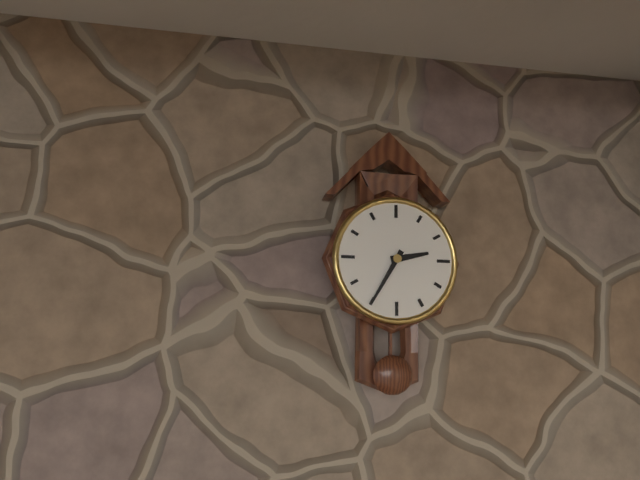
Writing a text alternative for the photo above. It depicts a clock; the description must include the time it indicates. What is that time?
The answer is 2:35
